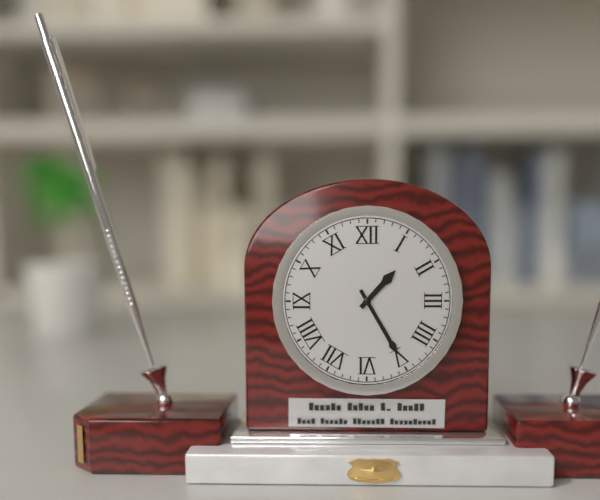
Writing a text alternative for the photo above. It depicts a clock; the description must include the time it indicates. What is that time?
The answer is 1:25
